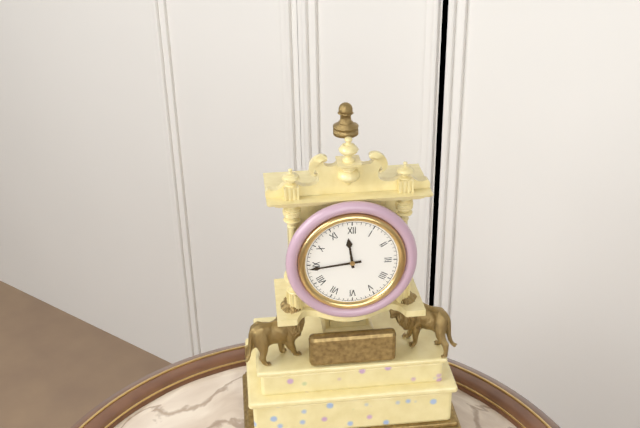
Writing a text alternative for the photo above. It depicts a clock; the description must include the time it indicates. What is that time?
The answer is 11:44
